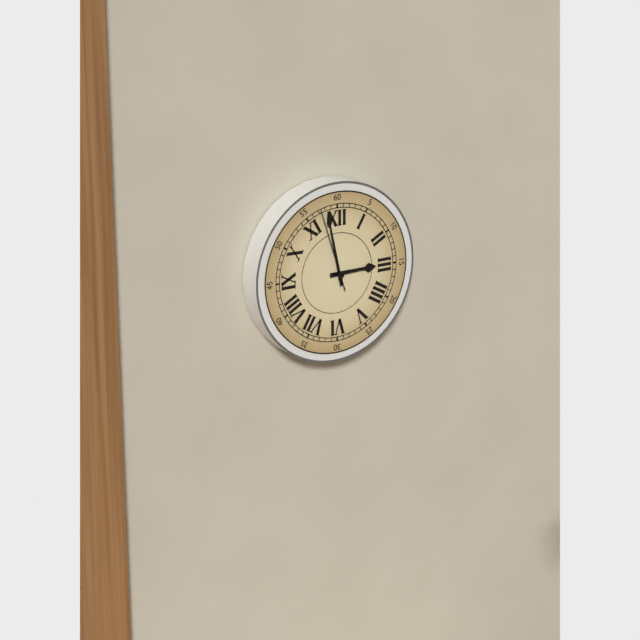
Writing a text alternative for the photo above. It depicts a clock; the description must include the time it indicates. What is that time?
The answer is 2:58:57
